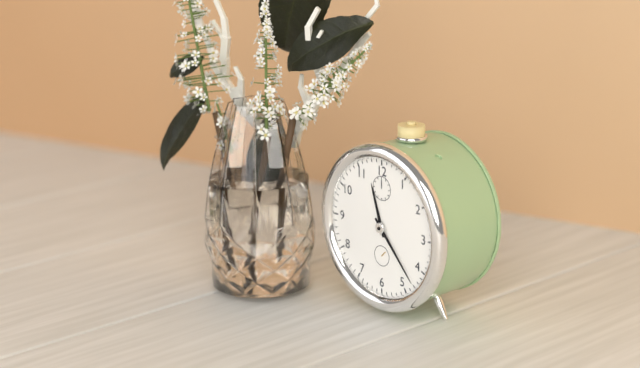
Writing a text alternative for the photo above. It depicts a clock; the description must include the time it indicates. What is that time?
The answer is 11:23
